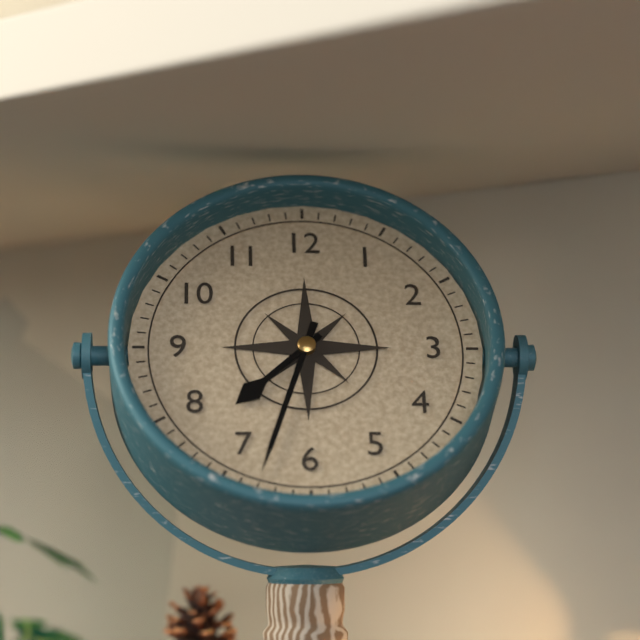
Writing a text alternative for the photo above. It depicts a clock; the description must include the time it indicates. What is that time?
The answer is 7:33
